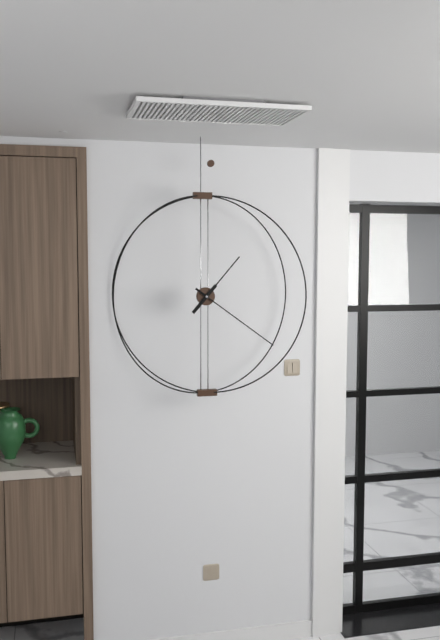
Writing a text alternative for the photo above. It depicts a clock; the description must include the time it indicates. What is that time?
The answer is 1:21
